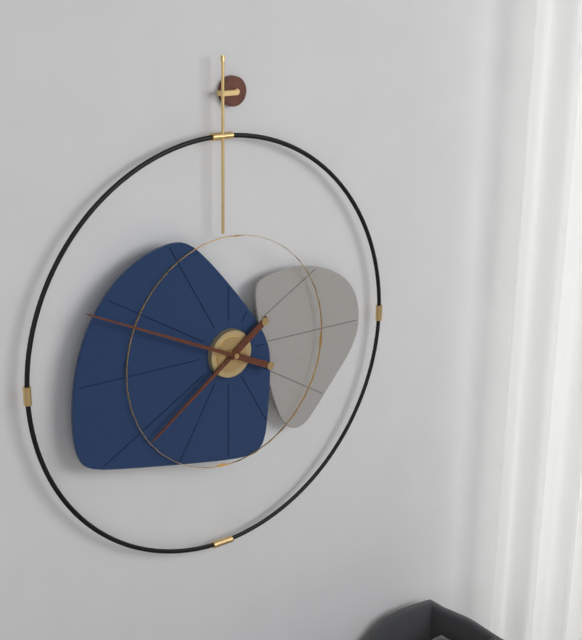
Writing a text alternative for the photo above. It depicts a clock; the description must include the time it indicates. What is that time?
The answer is 7:49
